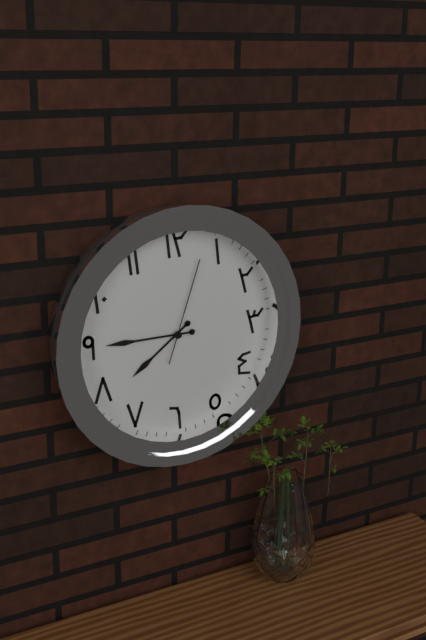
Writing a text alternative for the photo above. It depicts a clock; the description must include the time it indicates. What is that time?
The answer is 7:45:03
